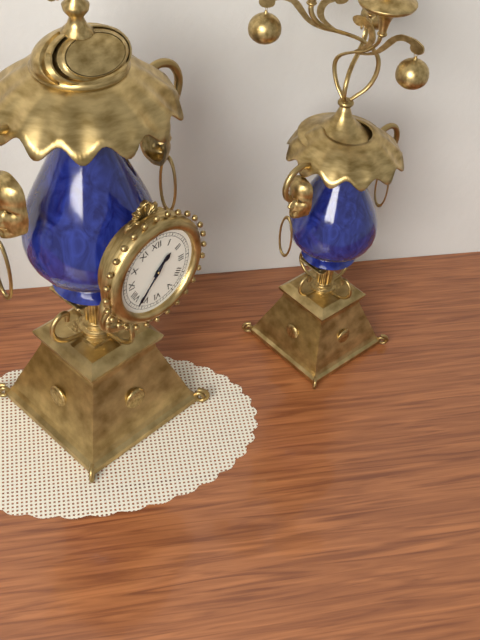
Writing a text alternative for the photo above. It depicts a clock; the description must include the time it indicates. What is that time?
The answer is 1:37
